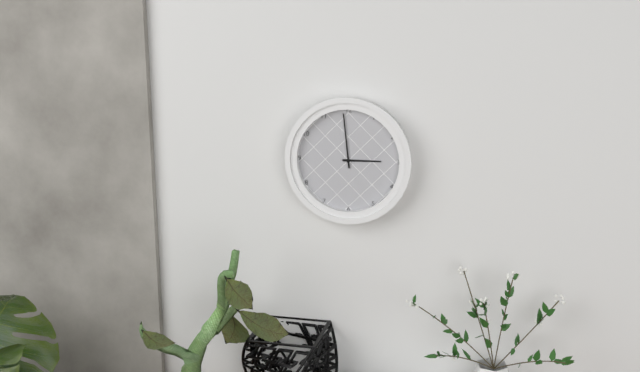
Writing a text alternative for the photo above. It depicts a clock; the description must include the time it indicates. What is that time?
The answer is 2:59
